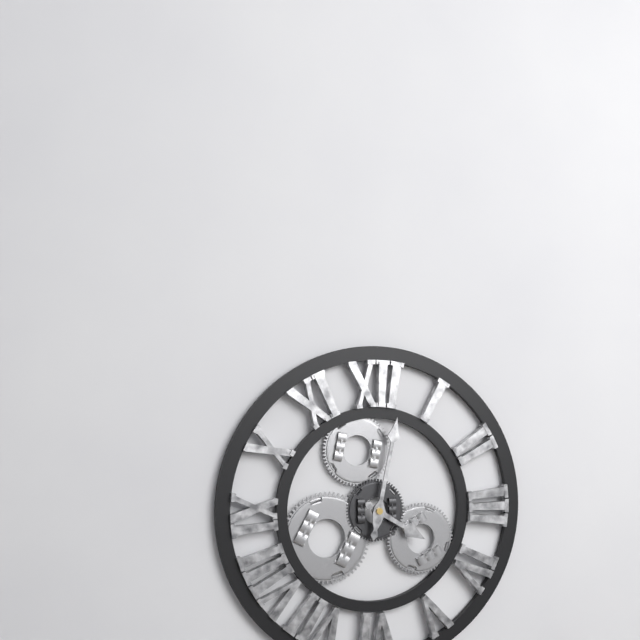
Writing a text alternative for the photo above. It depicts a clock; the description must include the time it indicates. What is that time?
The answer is 4:02
